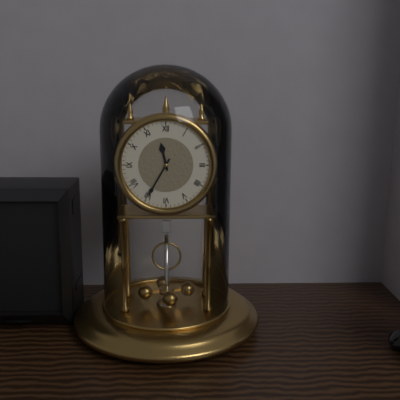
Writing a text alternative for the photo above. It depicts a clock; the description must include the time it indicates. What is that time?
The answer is 11:35
